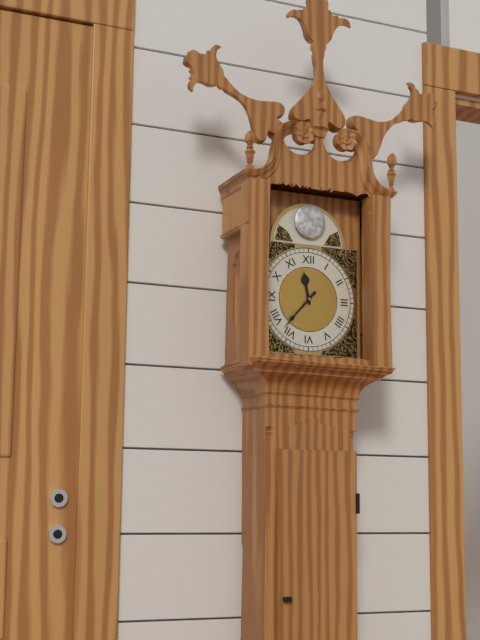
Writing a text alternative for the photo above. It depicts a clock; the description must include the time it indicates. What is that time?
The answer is 11:37
